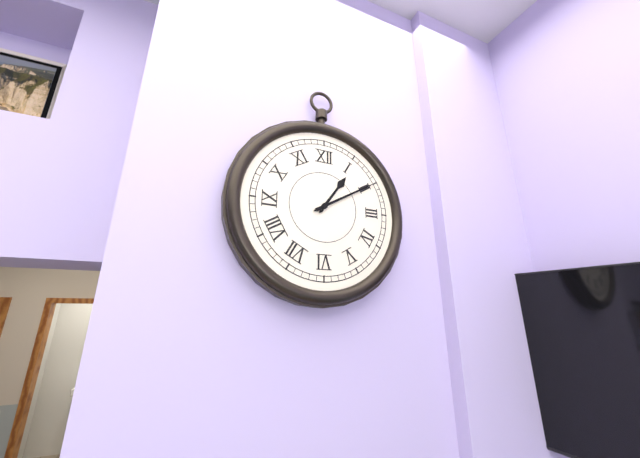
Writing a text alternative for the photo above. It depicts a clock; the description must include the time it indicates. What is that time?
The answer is 1:10
